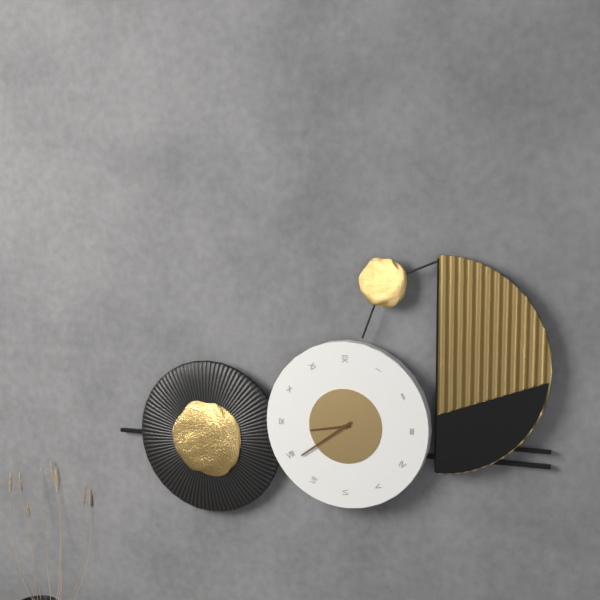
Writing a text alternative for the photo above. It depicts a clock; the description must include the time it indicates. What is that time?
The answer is 8:39
